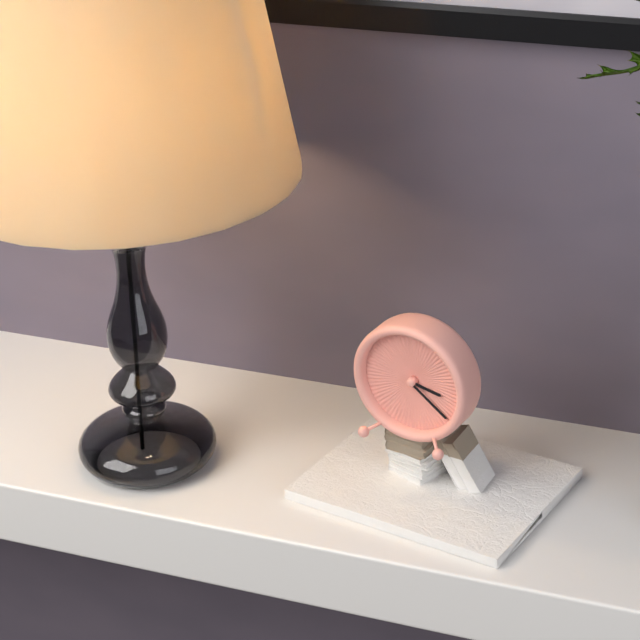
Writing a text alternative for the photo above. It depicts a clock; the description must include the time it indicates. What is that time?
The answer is 3:21
